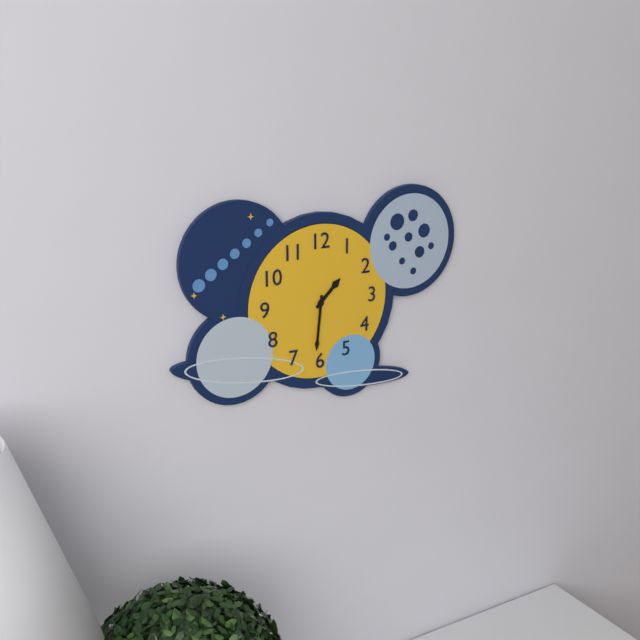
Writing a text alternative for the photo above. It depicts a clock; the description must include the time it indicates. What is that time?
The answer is 1:31
